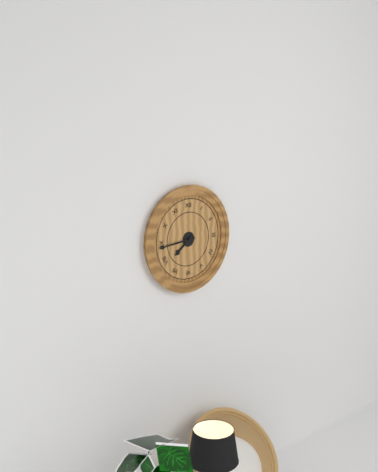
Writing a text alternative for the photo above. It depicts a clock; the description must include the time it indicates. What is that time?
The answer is 7:44
